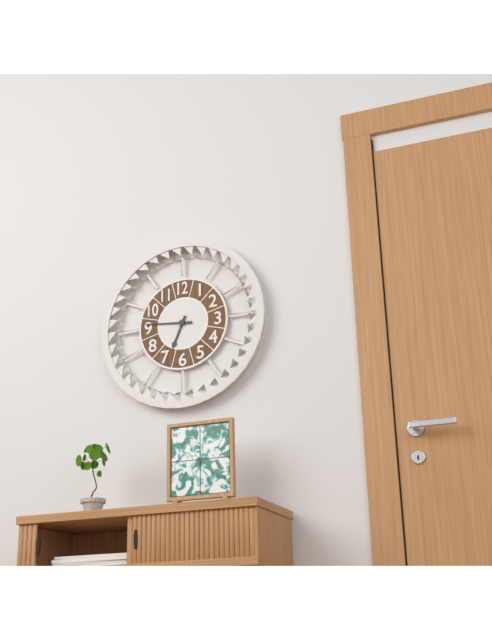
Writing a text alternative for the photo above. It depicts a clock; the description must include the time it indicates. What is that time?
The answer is 6:46
